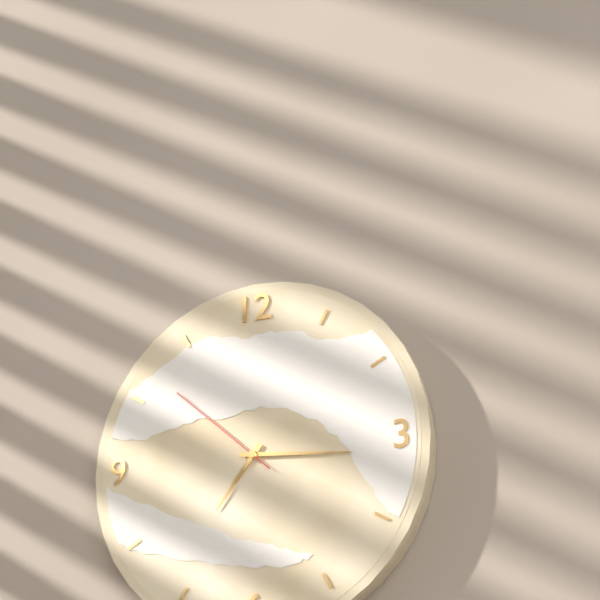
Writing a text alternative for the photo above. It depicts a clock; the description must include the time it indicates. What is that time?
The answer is 7:16:52
